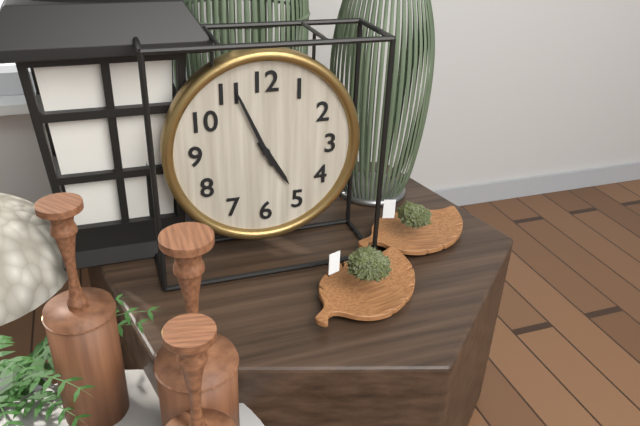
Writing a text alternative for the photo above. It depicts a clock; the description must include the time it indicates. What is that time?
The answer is 4:56
